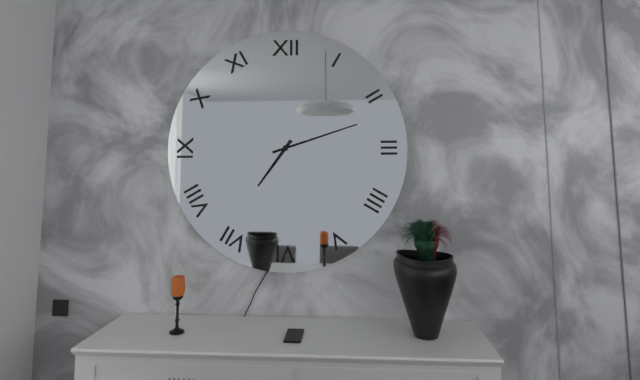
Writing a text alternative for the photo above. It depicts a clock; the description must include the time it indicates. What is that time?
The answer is 7:12
